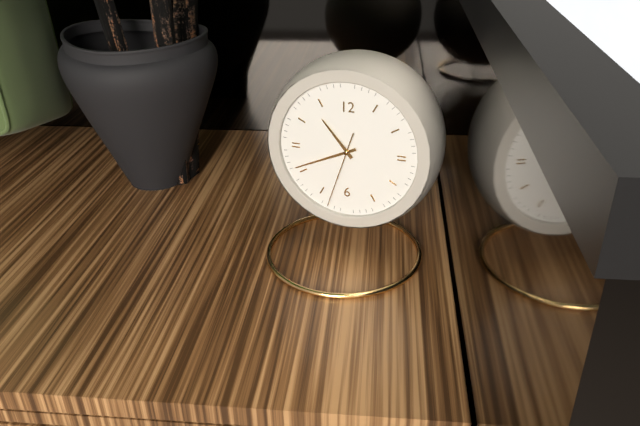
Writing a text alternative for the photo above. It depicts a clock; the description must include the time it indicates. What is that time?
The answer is 10:41:33
